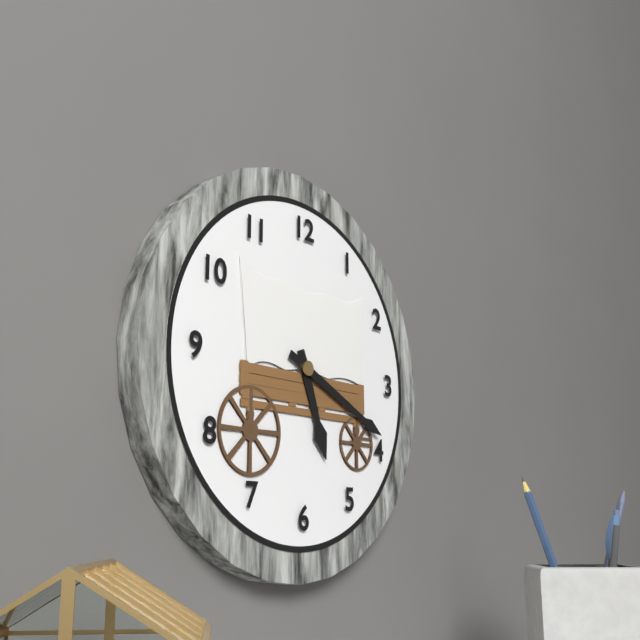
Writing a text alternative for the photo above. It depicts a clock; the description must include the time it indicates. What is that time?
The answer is 5:19
